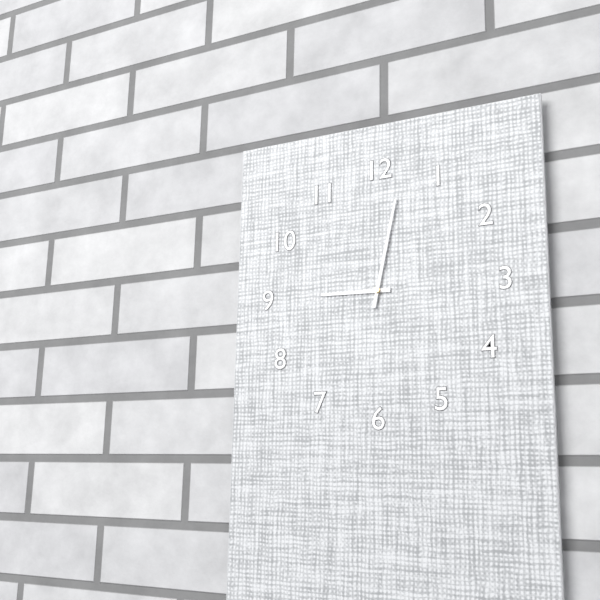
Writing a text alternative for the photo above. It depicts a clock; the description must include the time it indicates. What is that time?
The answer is 9:02
